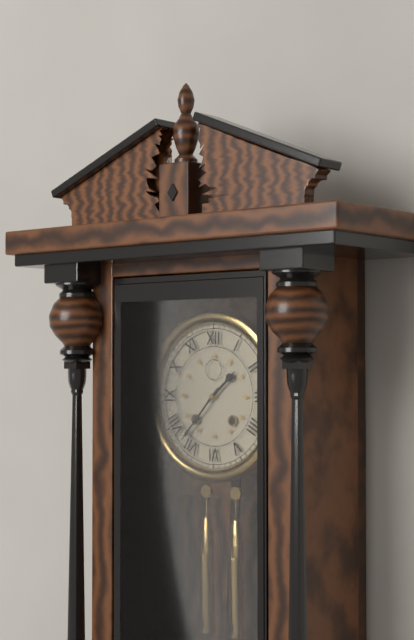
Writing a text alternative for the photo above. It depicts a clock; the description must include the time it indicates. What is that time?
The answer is 1:37
